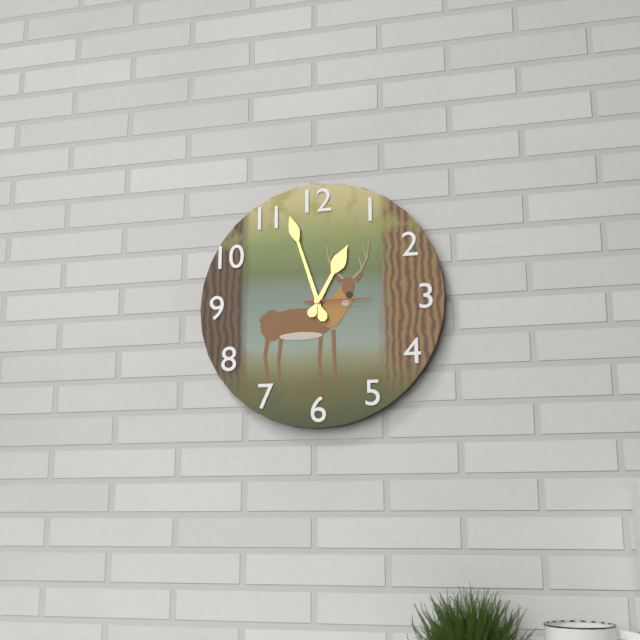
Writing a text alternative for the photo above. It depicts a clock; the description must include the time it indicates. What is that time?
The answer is 12:57:15
